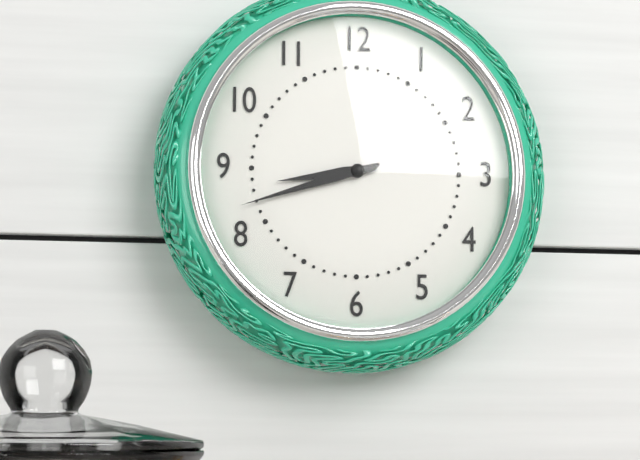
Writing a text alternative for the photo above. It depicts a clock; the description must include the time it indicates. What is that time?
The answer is 8:42
